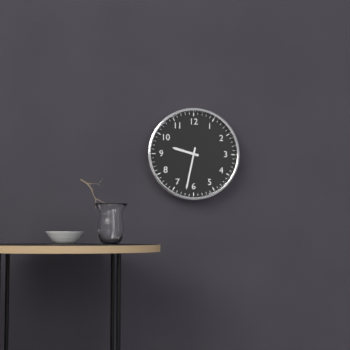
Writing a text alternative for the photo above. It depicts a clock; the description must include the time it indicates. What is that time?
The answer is 9:32
